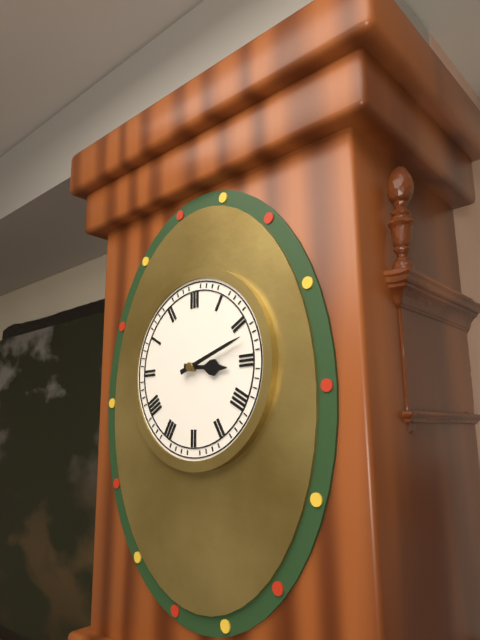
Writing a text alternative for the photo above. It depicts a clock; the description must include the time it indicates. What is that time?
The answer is 3:12
